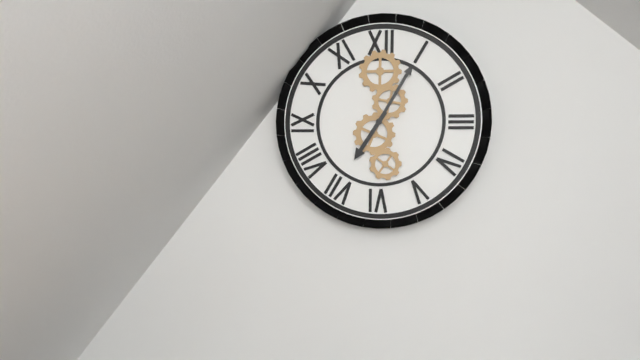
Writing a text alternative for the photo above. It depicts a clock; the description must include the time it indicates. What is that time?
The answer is 7:05
